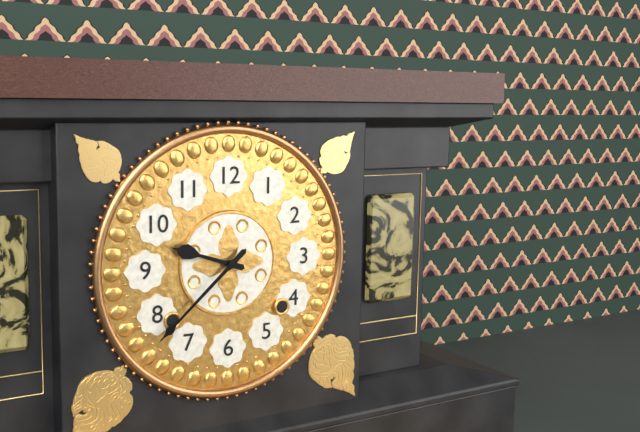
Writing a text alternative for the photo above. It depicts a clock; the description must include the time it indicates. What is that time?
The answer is 9:38
